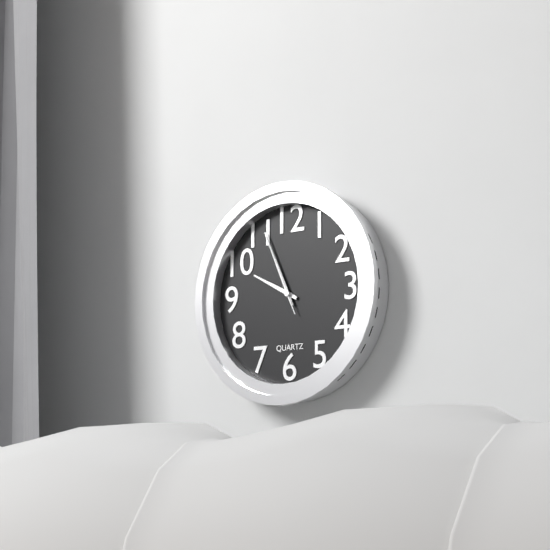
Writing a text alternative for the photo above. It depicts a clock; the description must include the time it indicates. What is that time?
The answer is 9:56:56
